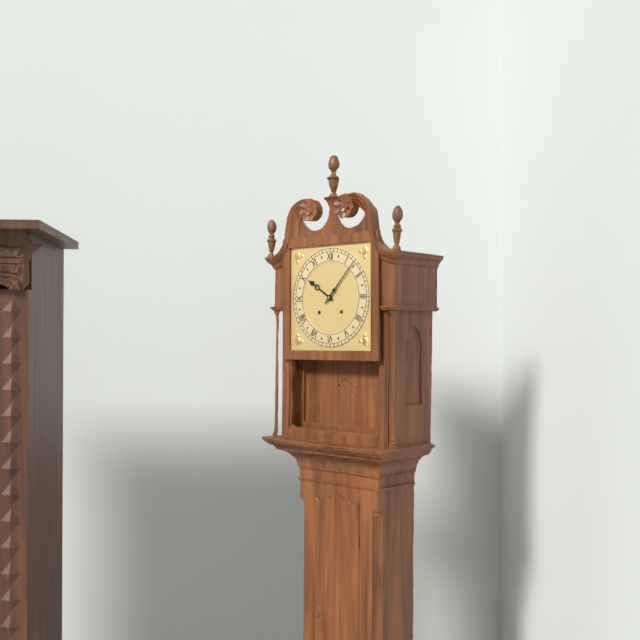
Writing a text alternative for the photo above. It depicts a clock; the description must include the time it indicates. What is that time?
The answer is 10:07
